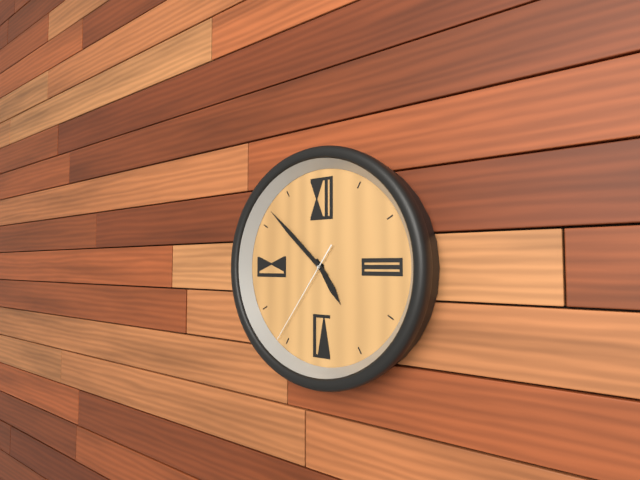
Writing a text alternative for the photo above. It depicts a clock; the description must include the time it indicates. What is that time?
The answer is 4:52:36
